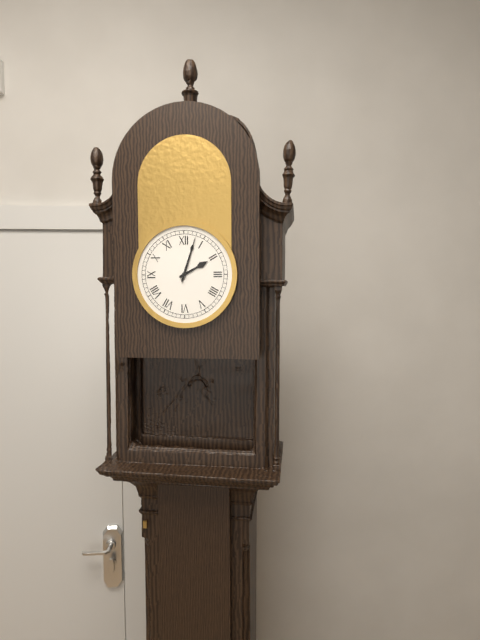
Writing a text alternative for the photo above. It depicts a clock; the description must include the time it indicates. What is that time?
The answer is 2:03
